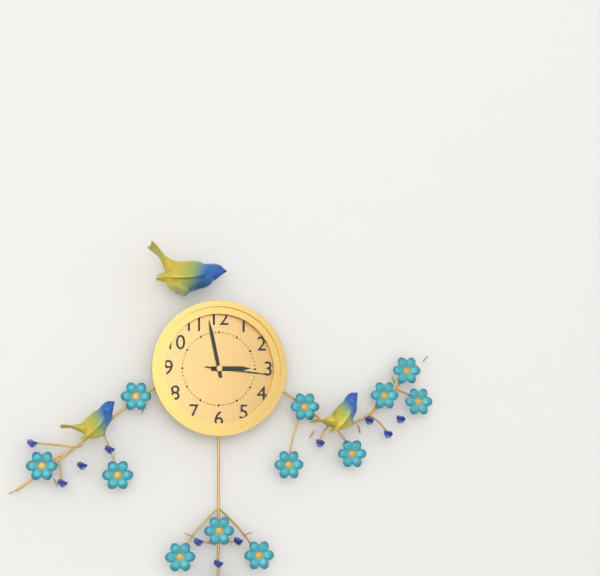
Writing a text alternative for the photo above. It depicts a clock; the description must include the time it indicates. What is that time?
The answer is 2:58:16
